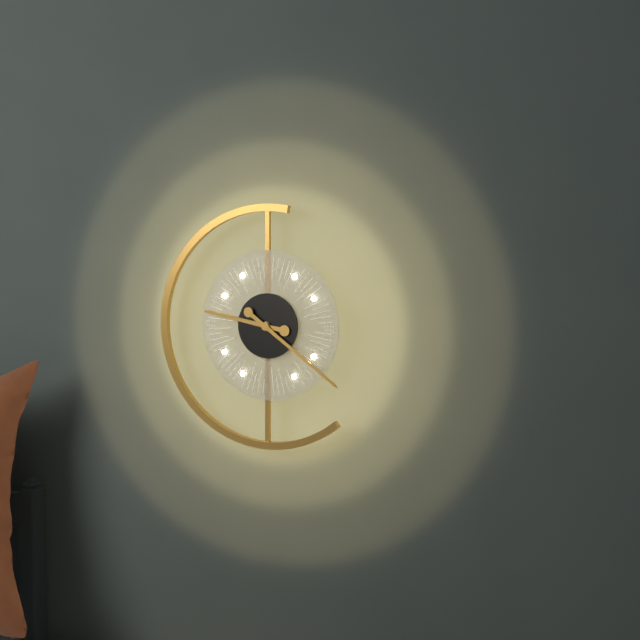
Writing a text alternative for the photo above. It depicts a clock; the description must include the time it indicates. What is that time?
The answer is 9:21
